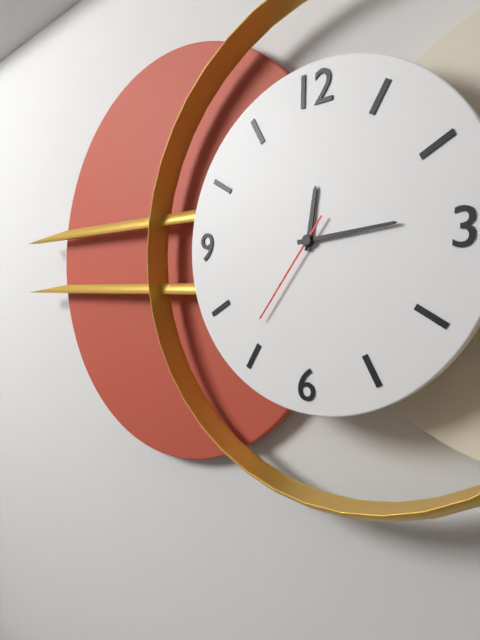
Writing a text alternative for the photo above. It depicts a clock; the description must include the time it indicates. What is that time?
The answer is 12:14:36
